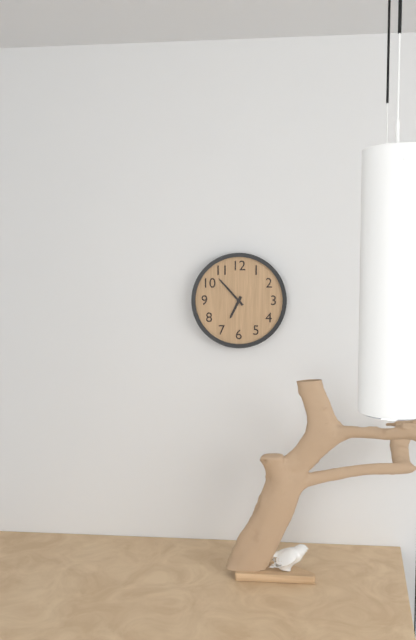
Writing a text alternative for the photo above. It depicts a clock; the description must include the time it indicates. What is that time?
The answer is 6:53
